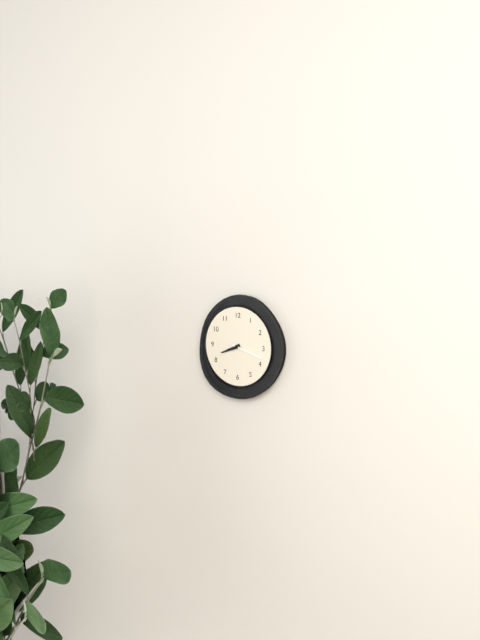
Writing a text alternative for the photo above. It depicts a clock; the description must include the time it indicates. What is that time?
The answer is 8:18
